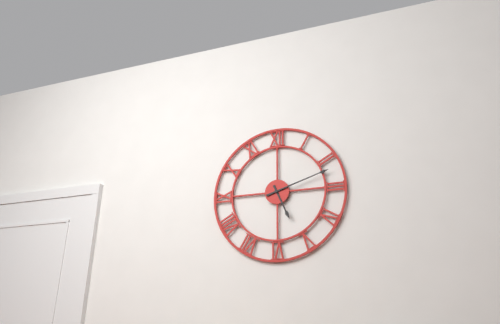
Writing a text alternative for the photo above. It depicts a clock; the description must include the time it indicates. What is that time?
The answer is 5:12
